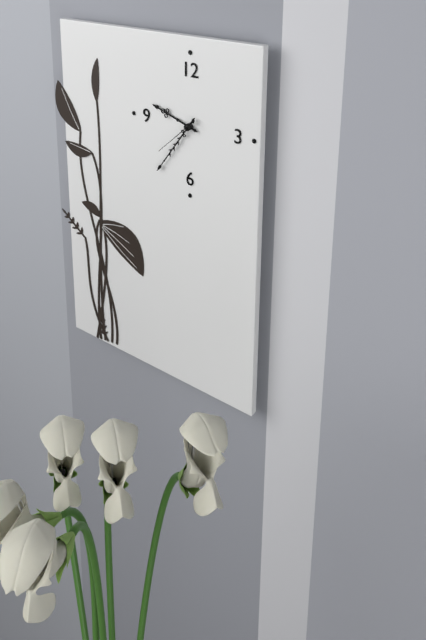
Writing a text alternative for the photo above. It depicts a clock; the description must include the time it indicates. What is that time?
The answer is 9:36:38
